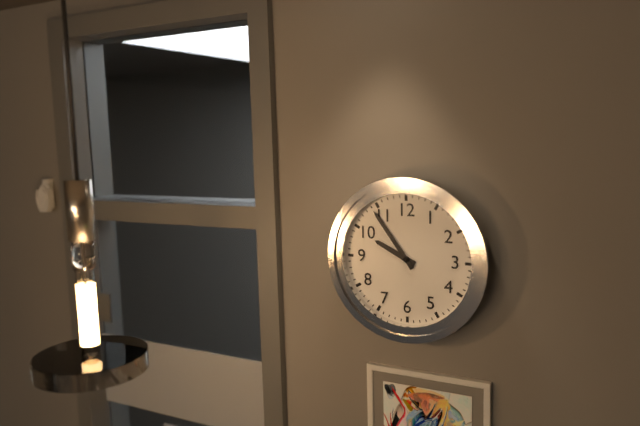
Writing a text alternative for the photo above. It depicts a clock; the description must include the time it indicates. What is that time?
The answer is 9:54
